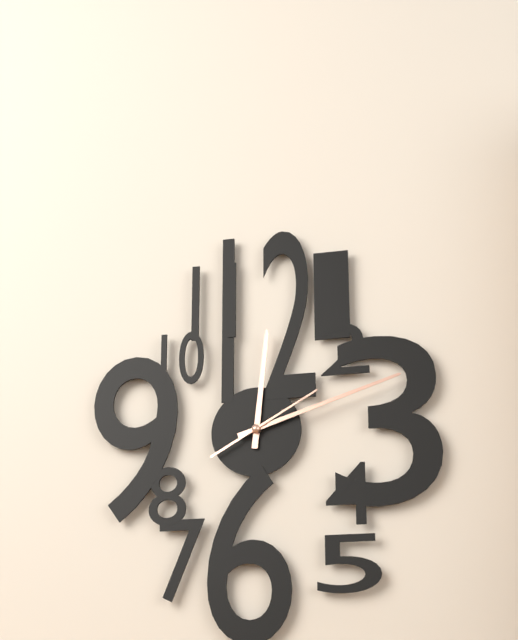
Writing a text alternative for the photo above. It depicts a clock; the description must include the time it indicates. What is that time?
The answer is 12:12:10
